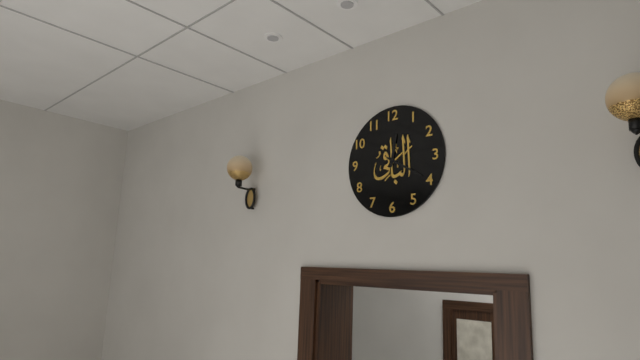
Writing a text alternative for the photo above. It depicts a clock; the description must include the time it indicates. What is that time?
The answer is 12:20
